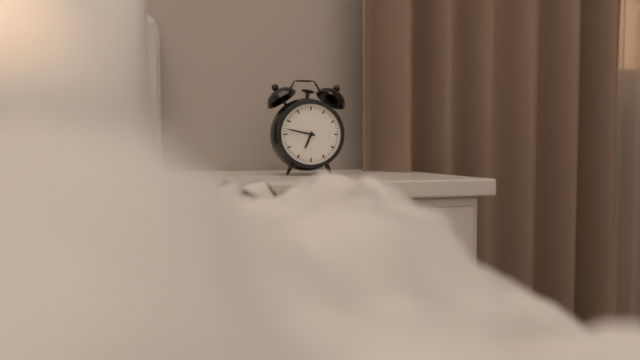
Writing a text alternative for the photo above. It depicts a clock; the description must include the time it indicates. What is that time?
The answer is 6:47
